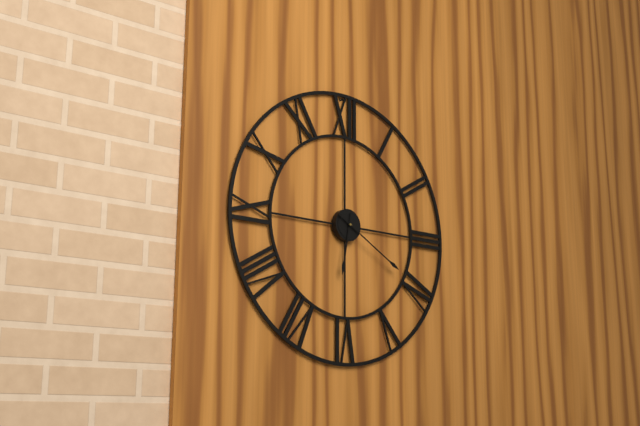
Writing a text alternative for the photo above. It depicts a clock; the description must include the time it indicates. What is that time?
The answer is 6:20
